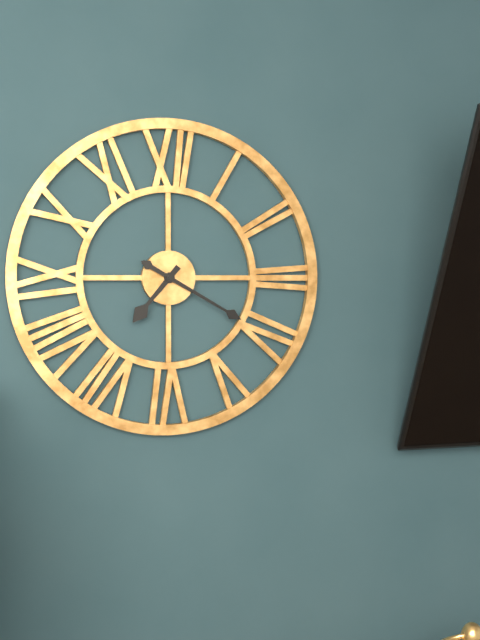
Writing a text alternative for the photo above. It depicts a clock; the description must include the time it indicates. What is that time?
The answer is 7:20
